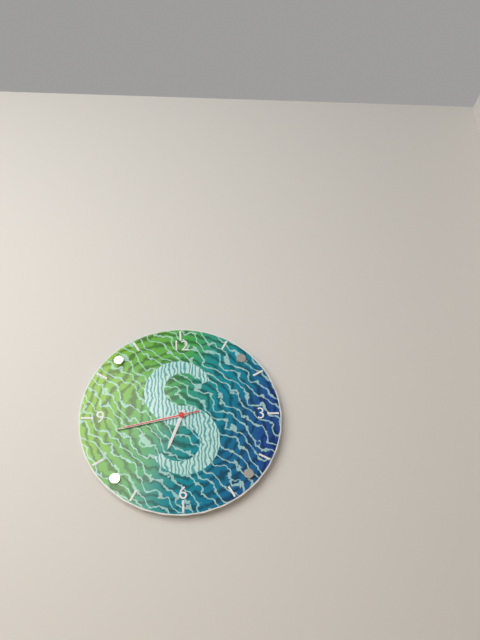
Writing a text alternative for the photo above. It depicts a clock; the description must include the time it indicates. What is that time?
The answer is 6:43:43
